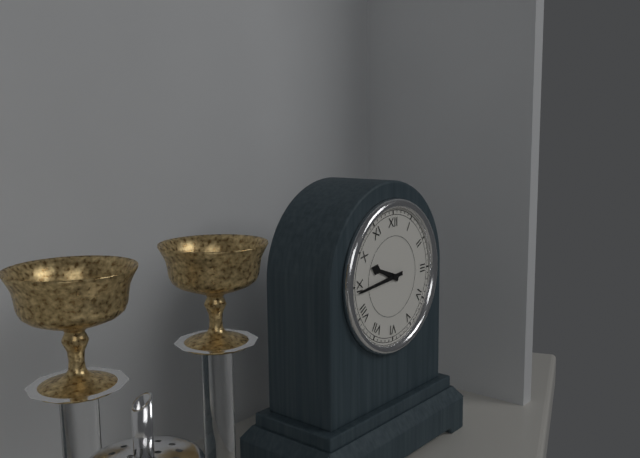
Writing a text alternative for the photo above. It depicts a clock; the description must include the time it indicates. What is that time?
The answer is 9:44
